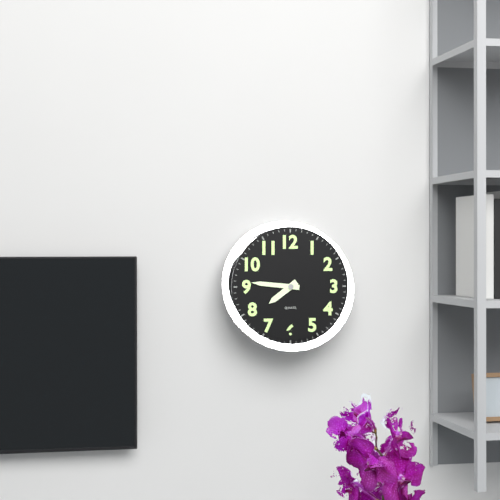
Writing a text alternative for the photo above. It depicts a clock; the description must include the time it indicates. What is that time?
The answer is 7:46
